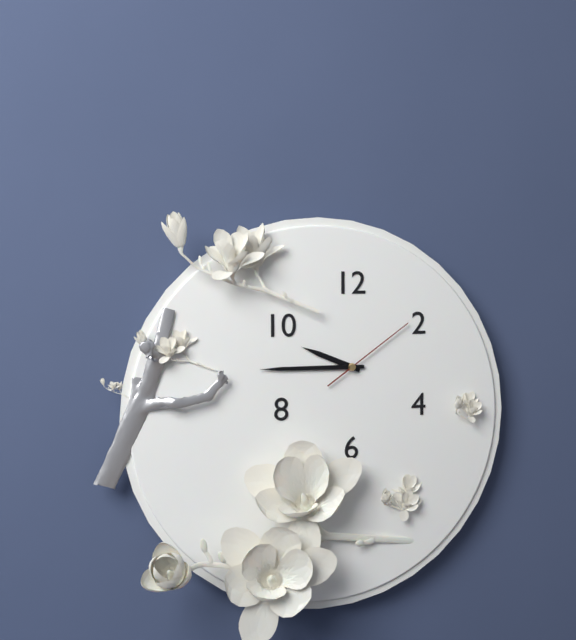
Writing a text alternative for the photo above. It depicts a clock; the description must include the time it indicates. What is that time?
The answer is 9:45:09
